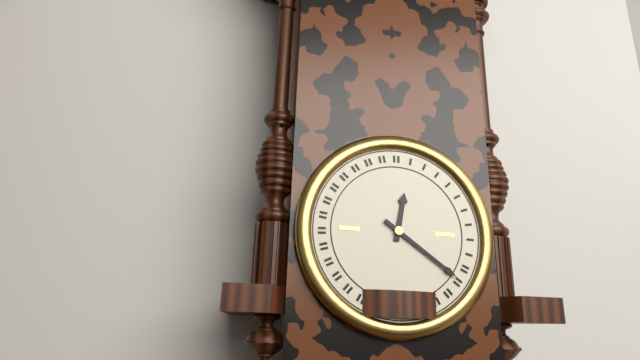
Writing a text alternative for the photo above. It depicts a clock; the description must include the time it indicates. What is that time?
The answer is 12:21
